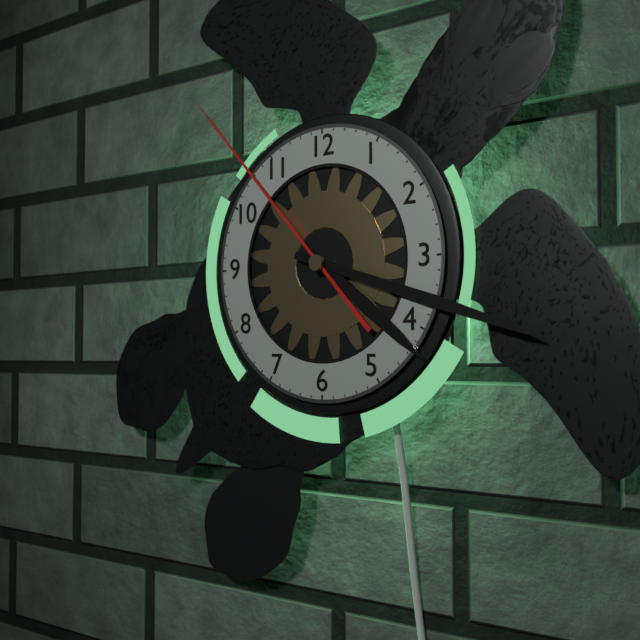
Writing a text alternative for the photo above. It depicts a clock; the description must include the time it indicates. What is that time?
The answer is 4:18:53
